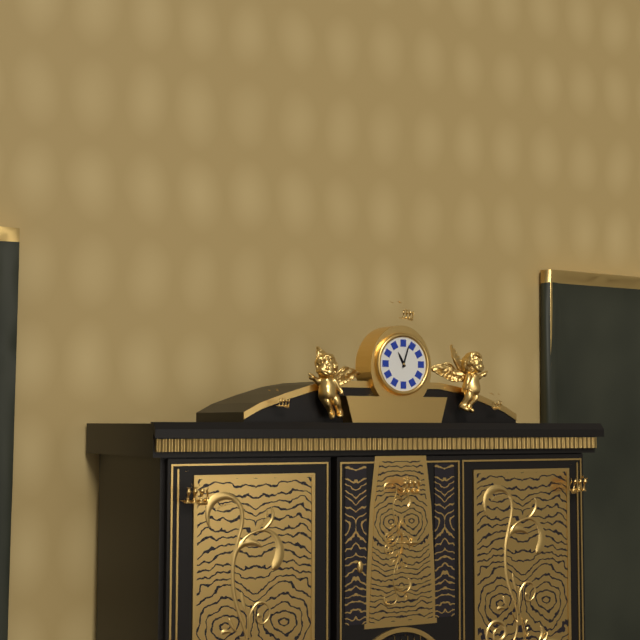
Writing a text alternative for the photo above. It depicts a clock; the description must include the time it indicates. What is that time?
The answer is 11:03
